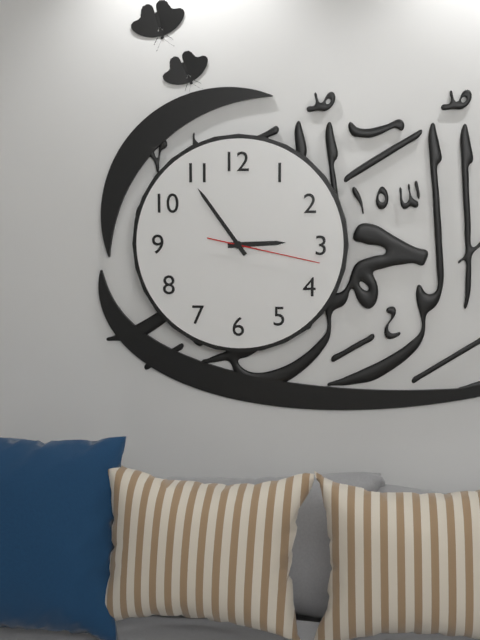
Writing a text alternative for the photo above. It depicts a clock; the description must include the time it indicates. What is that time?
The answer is 2:54:17
